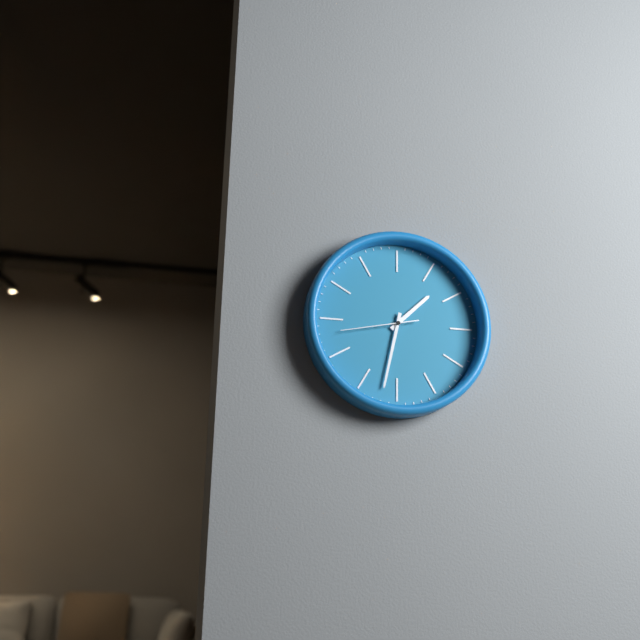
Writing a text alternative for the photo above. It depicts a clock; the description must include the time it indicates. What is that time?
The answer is 1:32:43
